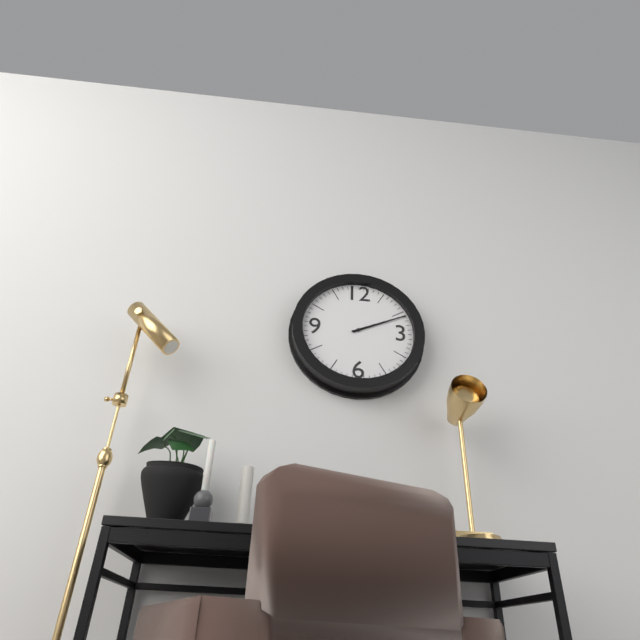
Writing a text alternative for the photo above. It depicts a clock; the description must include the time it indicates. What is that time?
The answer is 2:11
